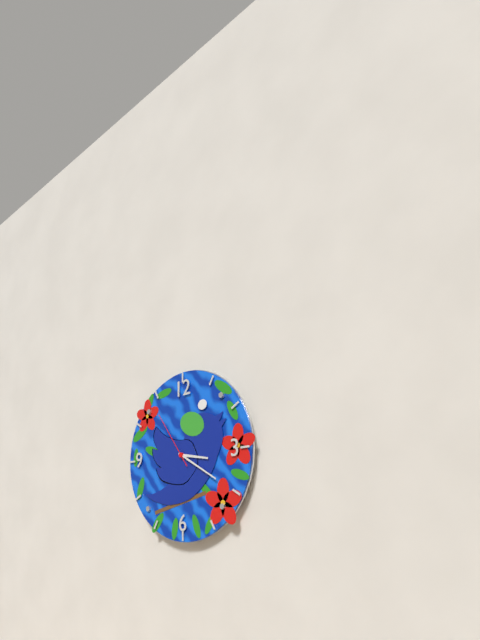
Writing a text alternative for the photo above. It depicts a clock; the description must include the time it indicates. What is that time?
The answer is 3:20:54
